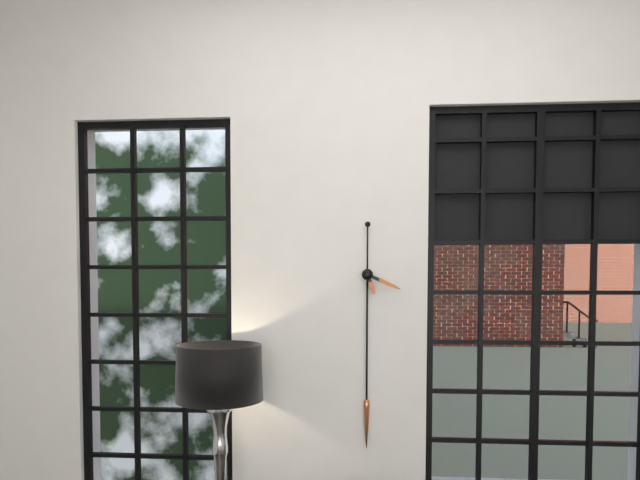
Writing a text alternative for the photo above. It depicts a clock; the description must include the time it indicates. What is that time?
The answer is 5:19
